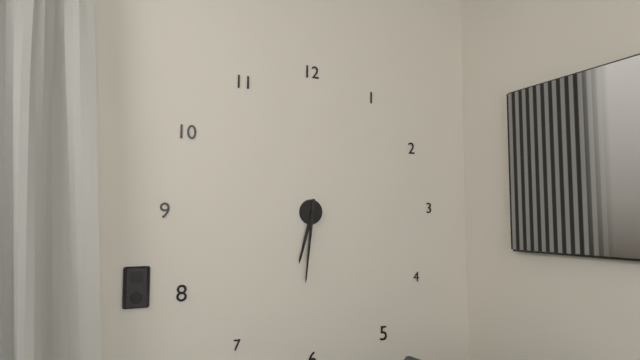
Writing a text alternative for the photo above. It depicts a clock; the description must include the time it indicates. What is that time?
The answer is 6:31
